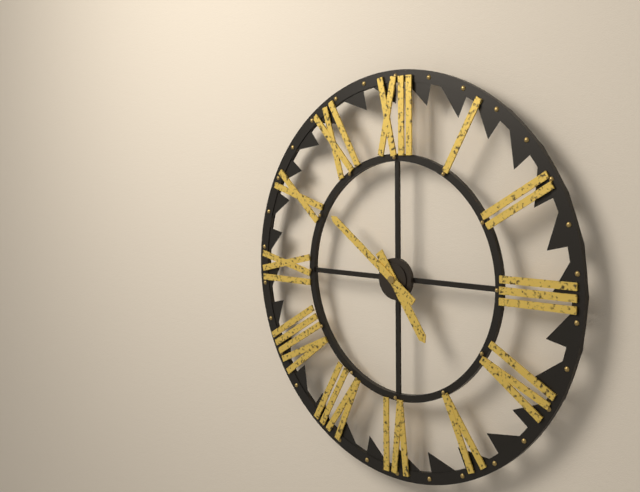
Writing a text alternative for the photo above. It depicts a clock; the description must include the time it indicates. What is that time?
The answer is 4:51
